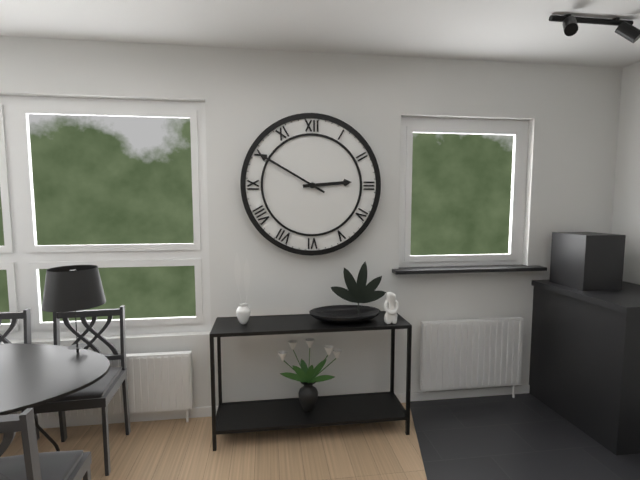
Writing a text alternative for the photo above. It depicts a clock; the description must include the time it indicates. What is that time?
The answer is 2:50
